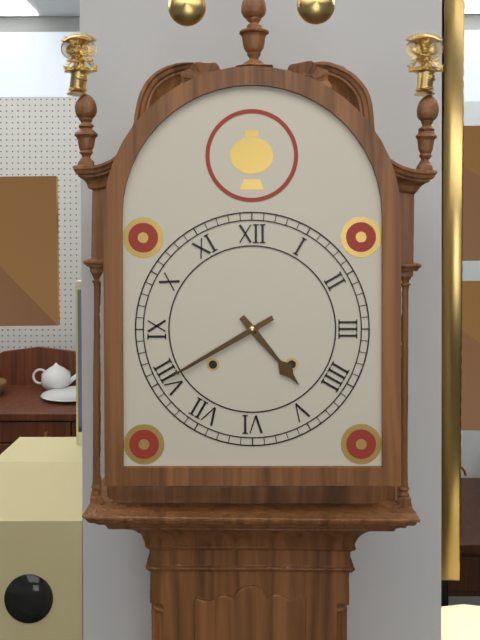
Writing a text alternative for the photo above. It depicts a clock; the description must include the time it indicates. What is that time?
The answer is 4:40
